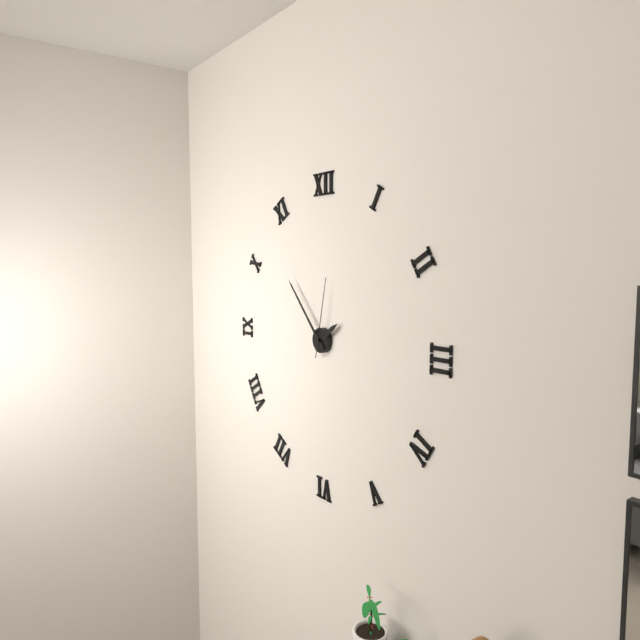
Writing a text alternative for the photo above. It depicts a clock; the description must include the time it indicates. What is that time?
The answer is 1:53:02
